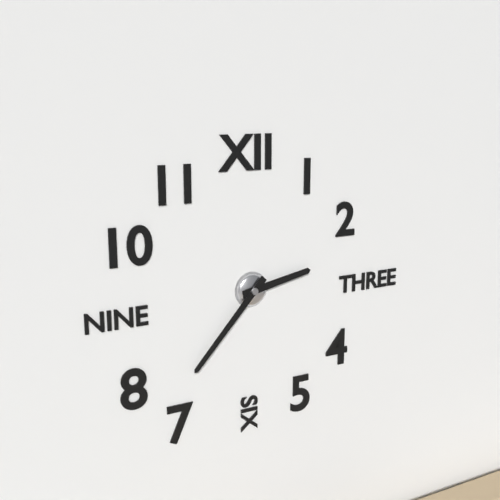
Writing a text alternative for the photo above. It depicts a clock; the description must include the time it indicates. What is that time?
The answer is 2:37
